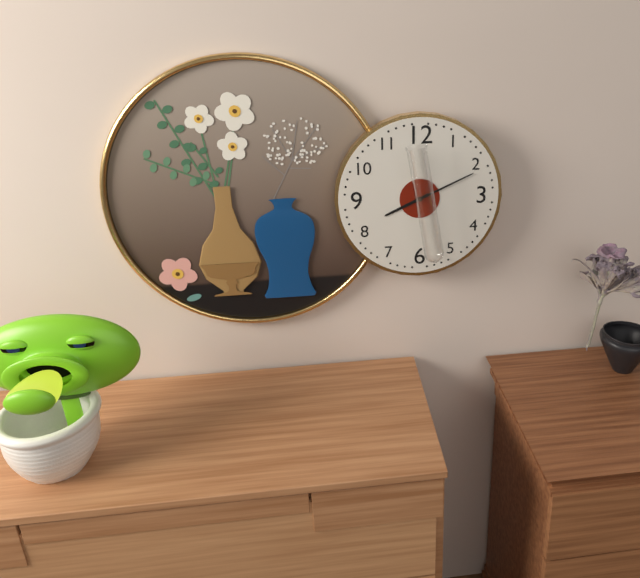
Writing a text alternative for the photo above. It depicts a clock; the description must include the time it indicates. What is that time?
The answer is 8:11
